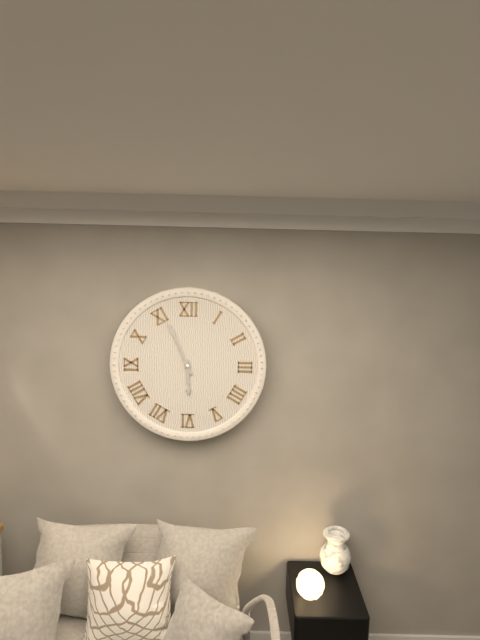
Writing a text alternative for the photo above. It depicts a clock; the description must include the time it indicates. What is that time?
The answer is 5:56
